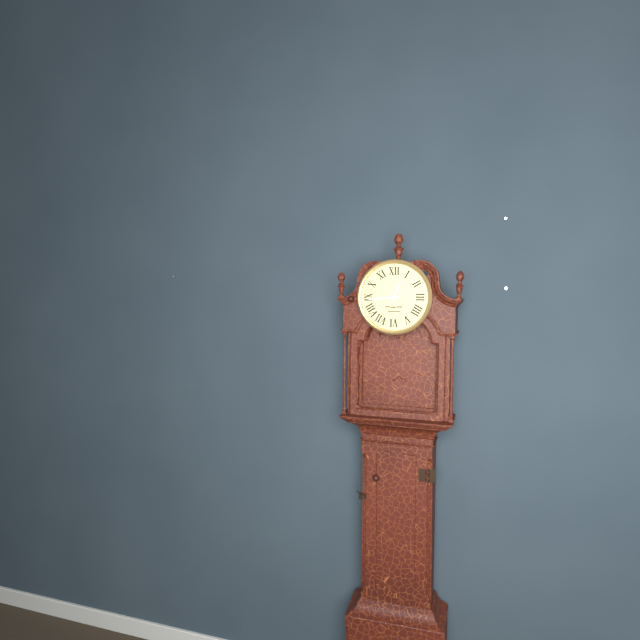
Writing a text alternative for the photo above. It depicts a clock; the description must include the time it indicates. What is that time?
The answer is 12:44
